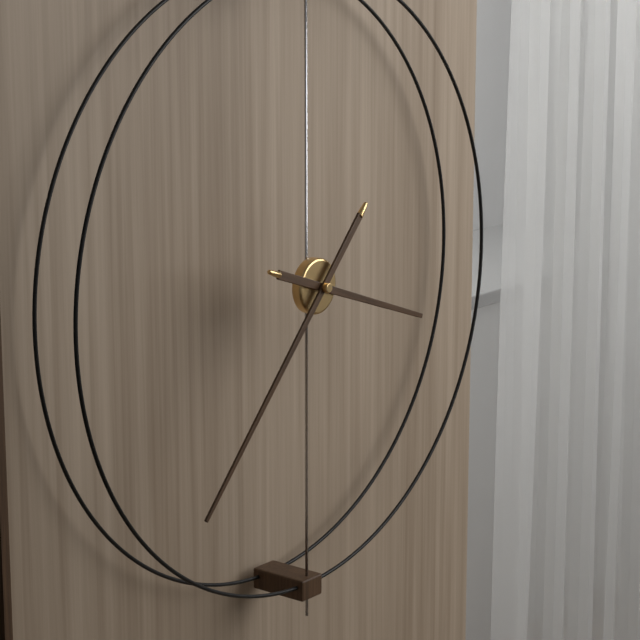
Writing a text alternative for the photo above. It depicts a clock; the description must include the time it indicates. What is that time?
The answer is 3:37
